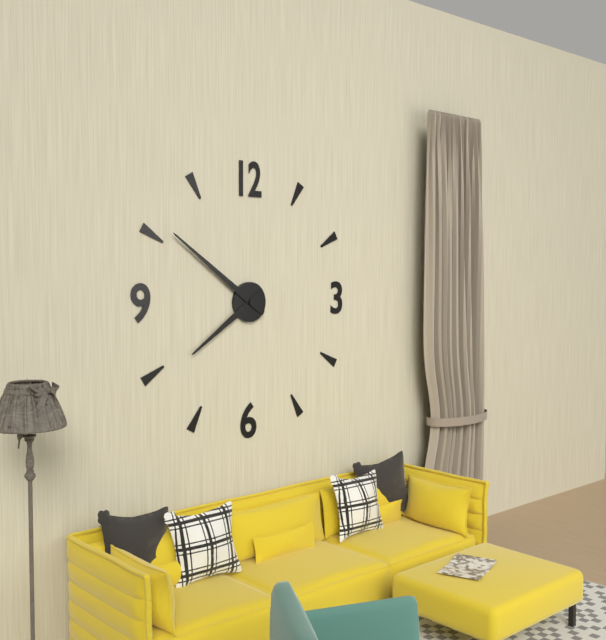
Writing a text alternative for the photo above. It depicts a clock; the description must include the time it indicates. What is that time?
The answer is 7:51
